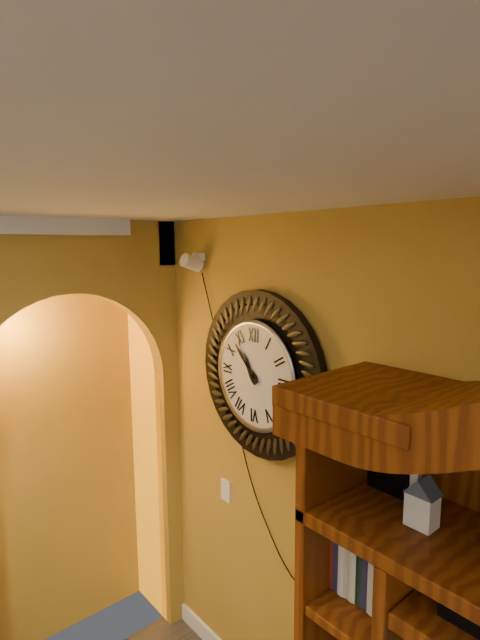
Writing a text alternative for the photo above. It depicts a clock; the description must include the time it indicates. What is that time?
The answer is 10:53
